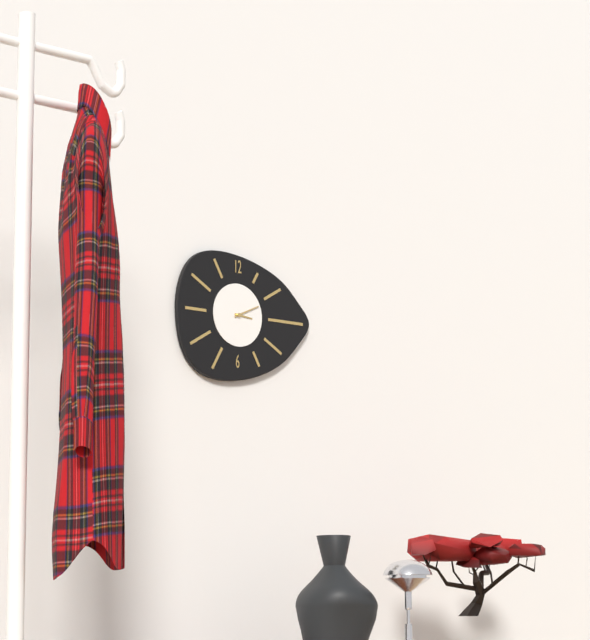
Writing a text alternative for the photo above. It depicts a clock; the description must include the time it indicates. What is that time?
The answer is 3:11
